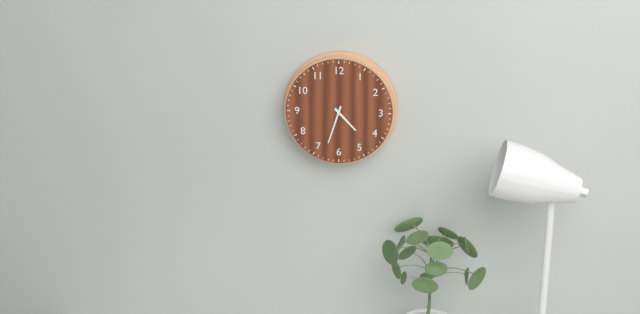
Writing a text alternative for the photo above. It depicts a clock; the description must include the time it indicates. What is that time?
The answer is 4:33
